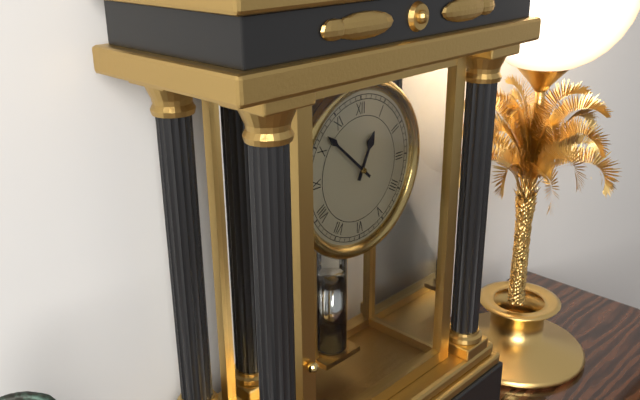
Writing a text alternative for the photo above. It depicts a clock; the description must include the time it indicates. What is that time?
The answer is 12:52
